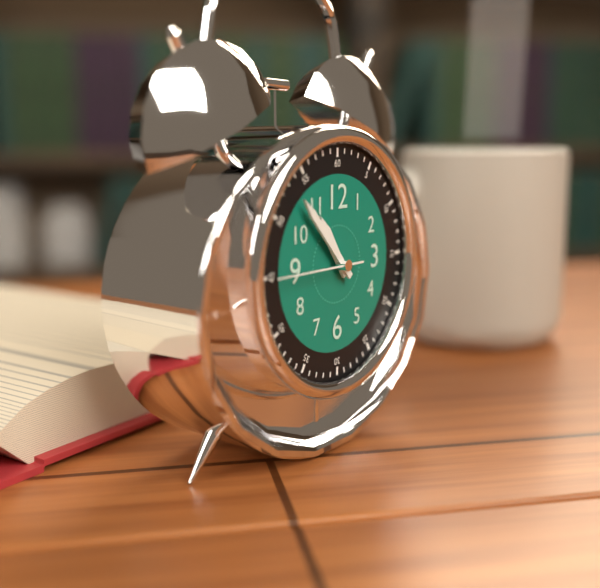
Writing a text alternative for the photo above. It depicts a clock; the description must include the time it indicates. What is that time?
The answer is 10:53:45
